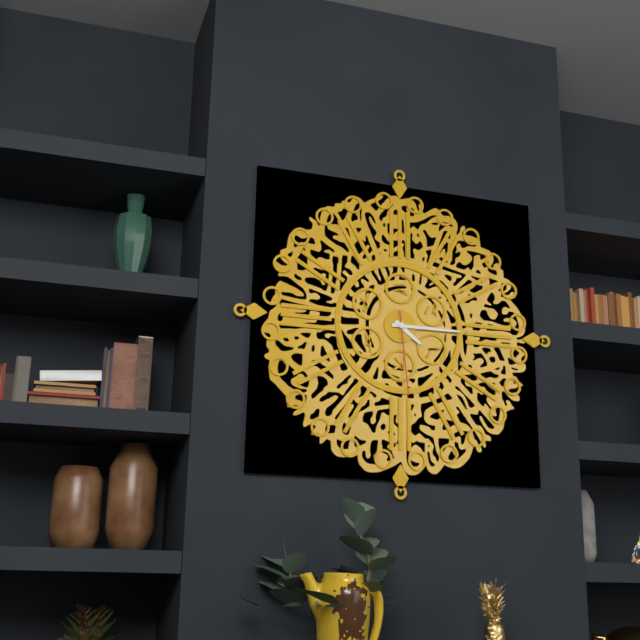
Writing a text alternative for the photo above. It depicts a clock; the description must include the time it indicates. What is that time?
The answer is 4:15:29
